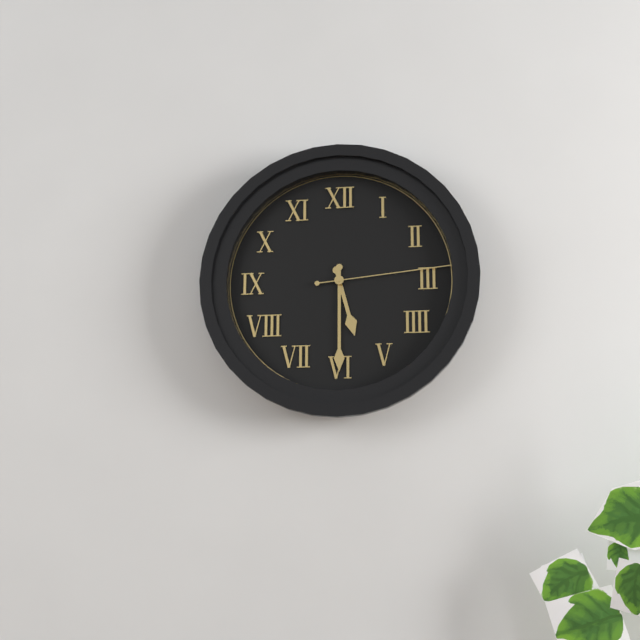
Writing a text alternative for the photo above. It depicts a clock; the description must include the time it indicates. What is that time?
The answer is 5:30:14
